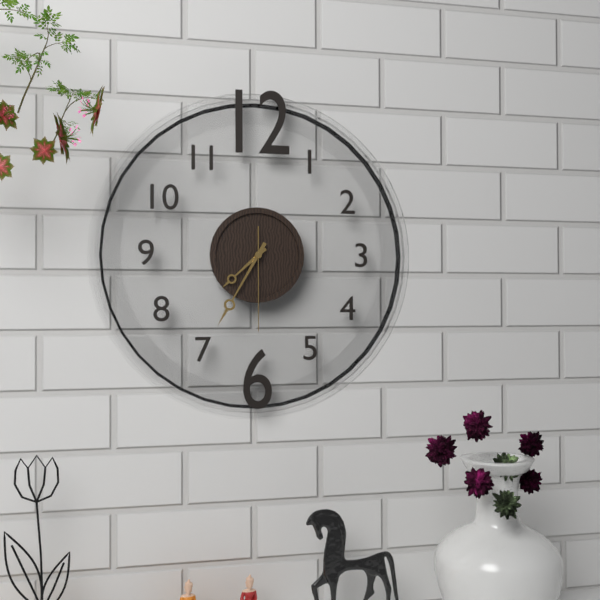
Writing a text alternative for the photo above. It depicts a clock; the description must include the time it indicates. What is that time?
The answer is 7:35:30
